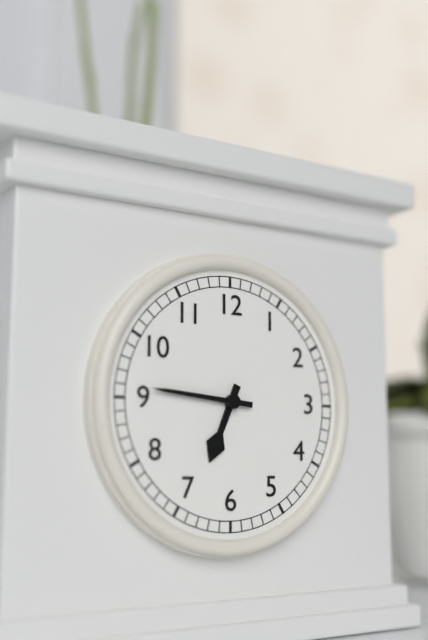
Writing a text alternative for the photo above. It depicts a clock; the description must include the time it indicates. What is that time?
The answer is 6:46
